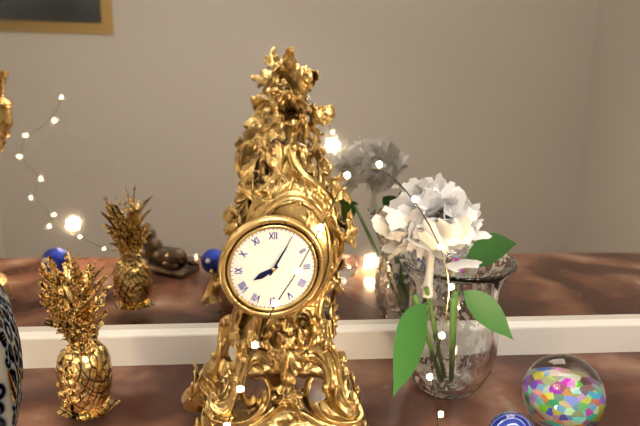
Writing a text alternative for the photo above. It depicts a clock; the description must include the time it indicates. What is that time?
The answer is 8:05
